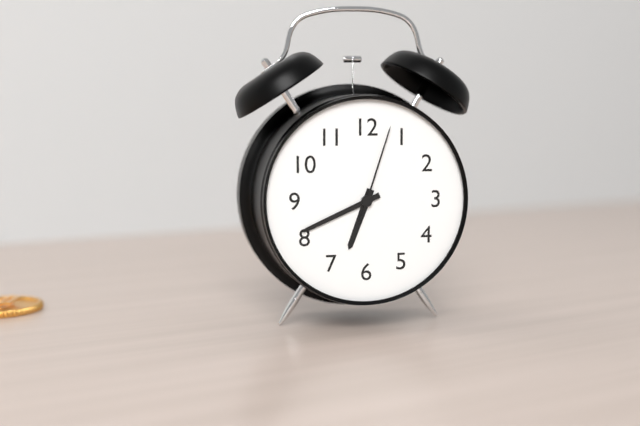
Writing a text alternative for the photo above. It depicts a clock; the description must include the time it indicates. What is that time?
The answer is 6:41:03
